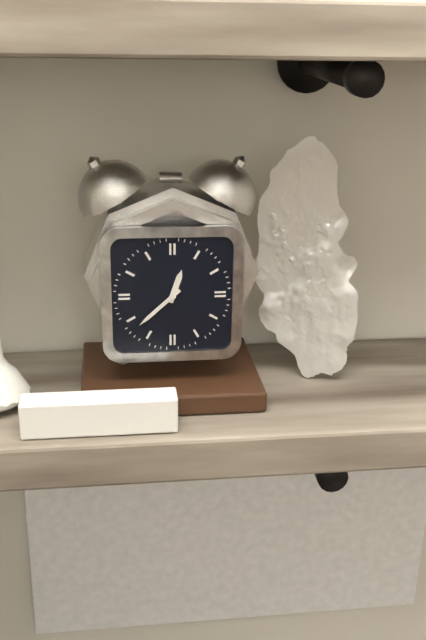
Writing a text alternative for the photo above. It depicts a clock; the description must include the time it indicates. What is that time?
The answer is 12:38
